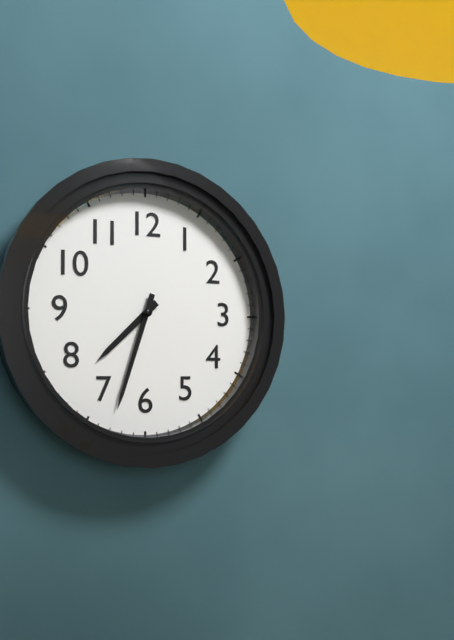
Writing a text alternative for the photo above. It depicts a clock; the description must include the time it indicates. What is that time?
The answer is 7:33
